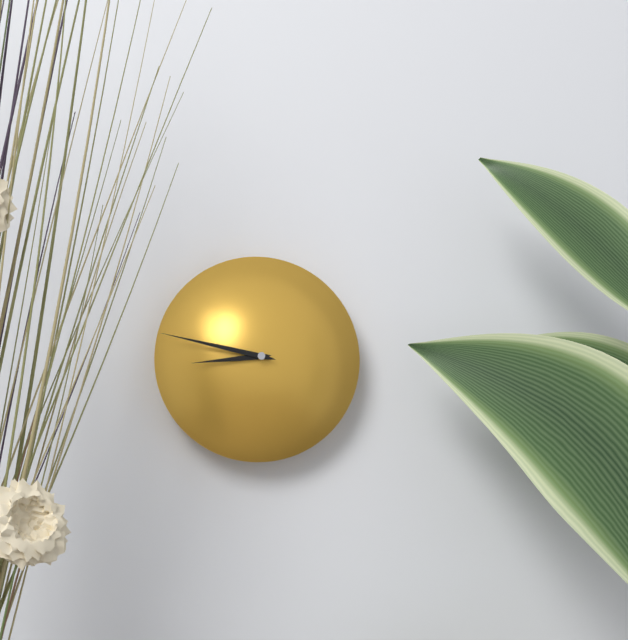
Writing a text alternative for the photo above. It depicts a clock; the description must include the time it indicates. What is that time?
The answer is 8:47
